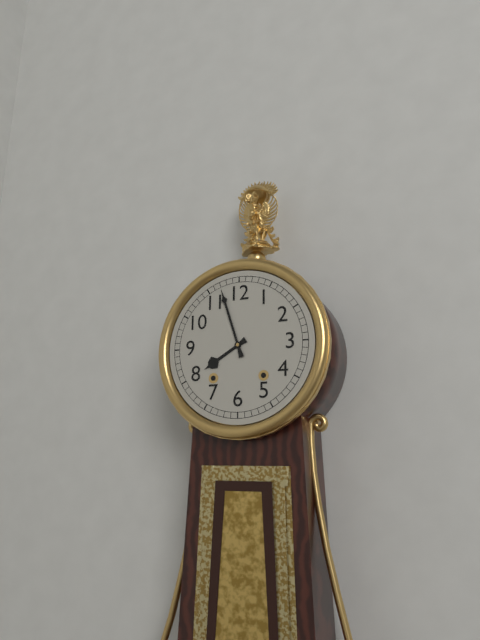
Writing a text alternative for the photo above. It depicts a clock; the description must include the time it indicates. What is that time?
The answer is 7:57
